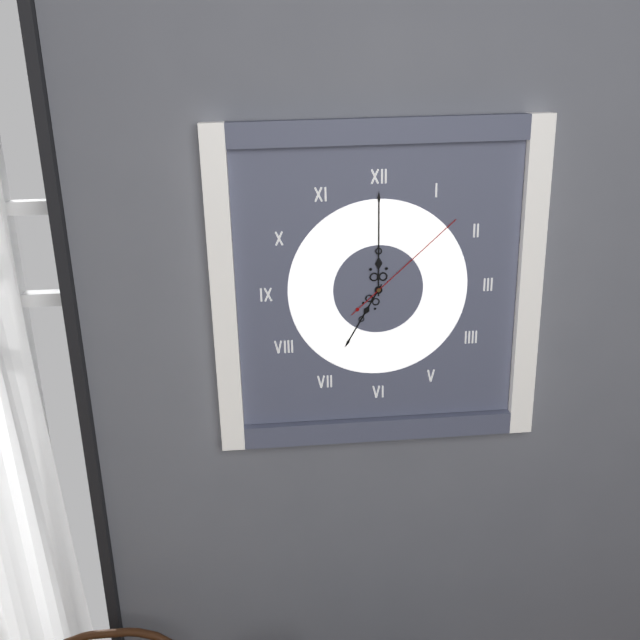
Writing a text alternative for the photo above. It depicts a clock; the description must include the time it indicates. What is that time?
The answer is 7:00:08
